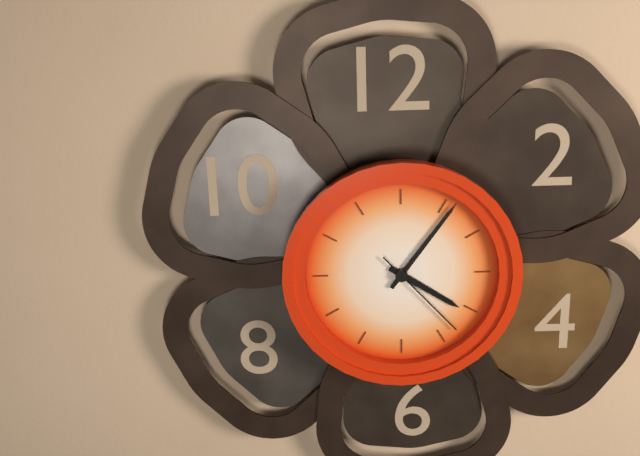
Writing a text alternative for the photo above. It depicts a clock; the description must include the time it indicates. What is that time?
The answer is 4:06:23
